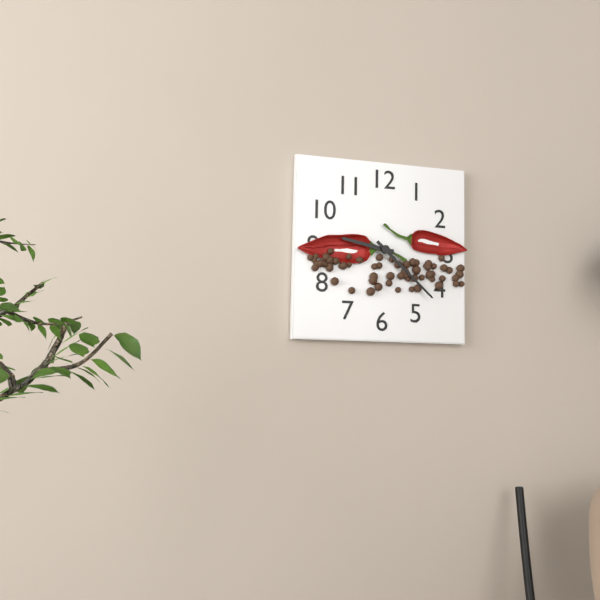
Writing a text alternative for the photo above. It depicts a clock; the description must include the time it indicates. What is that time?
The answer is 9:22
